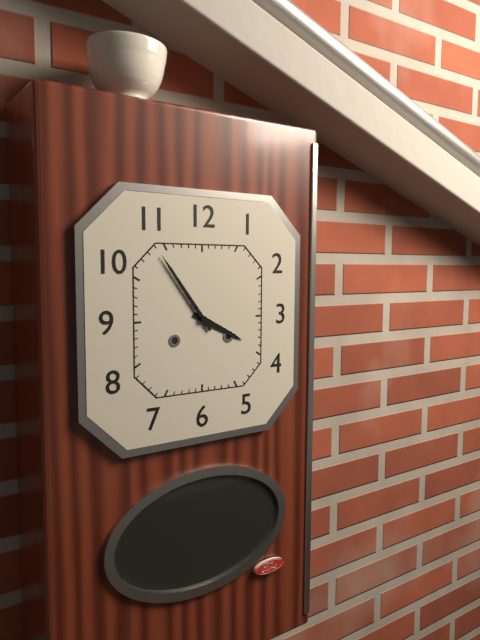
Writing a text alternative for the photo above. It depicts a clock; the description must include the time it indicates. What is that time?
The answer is 3:54
